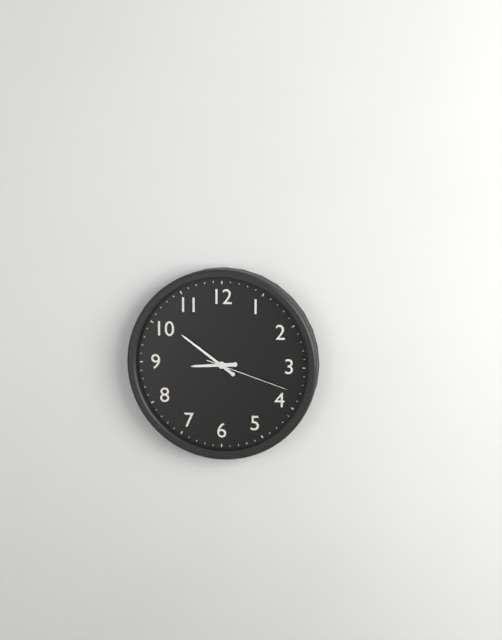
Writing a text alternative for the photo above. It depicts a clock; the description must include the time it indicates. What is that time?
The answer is 8:51:18
